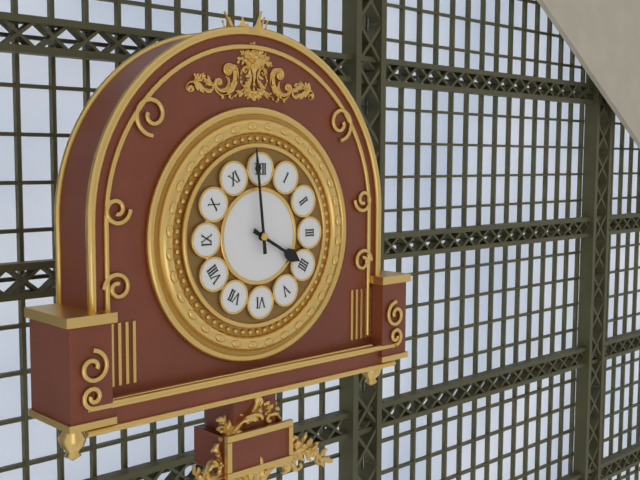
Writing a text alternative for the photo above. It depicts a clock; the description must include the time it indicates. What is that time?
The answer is 3:59
